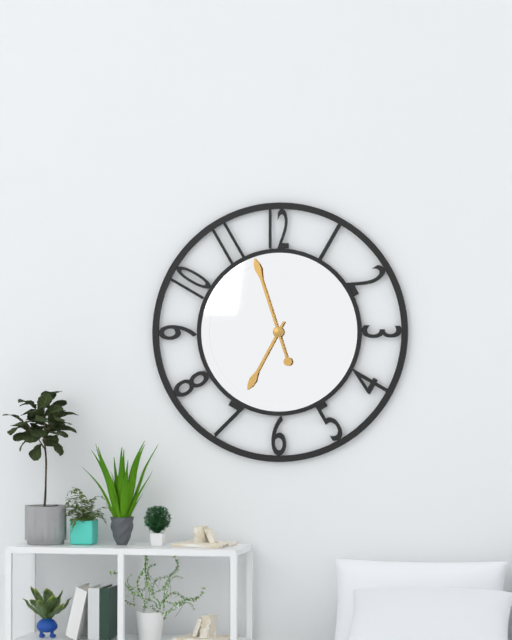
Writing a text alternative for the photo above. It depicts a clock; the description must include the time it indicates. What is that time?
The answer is 6:57
